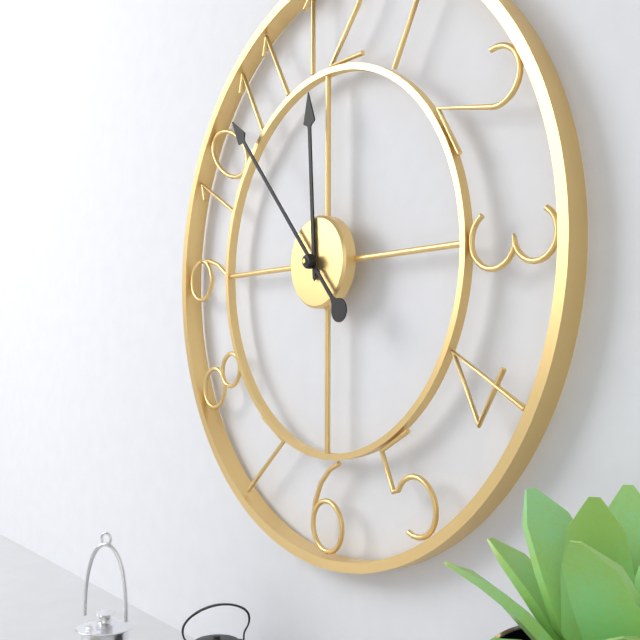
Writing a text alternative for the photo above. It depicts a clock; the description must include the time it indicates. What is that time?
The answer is 11:53
